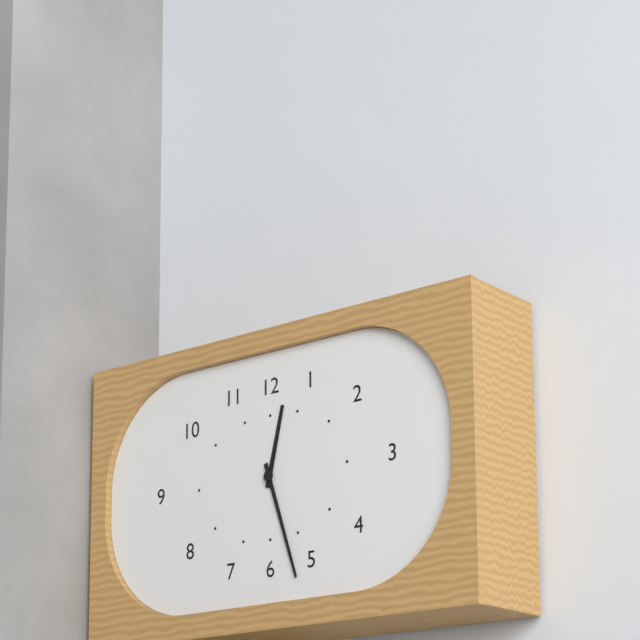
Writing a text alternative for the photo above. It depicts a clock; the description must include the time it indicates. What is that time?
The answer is 12:27
